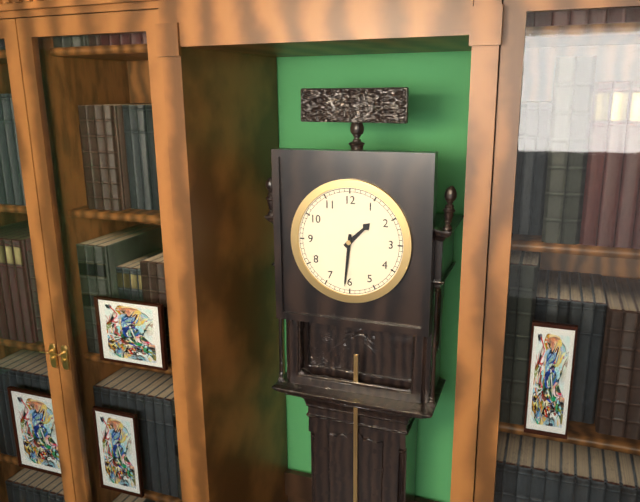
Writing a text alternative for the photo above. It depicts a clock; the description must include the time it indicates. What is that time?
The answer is 1:31
